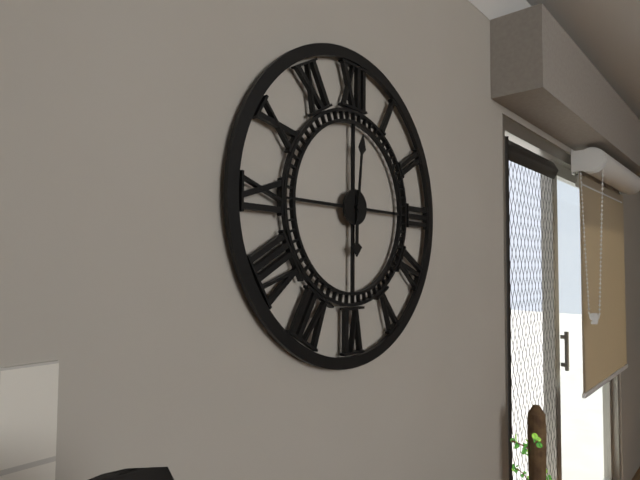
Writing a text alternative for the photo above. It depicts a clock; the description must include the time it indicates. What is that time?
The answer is 6:01
